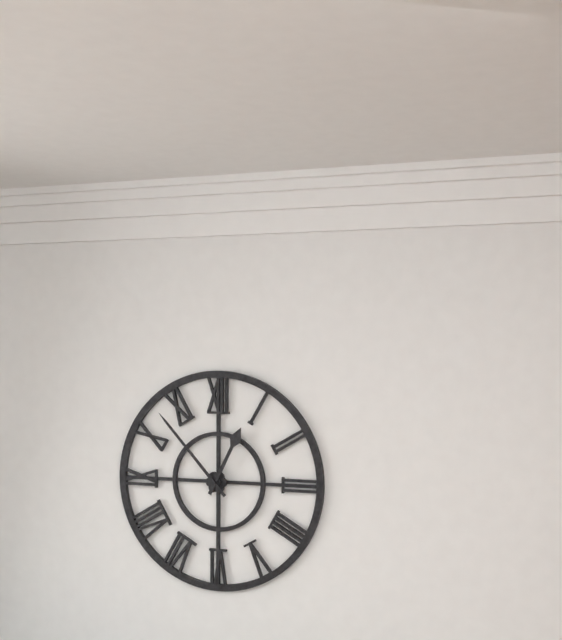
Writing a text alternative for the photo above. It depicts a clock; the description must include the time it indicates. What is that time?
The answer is 12:53
